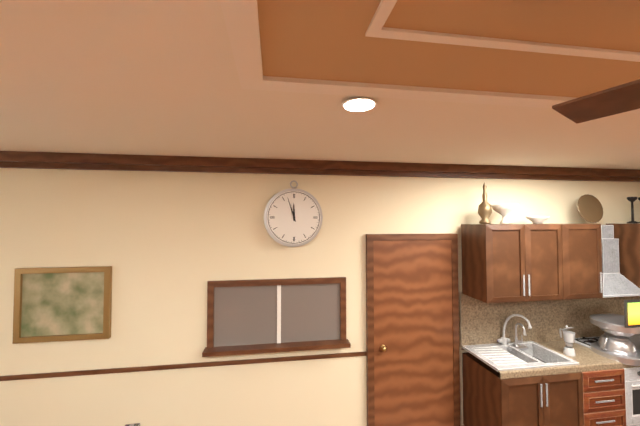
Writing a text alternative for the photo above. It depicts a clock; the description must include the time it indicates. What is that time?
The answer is 11:57
